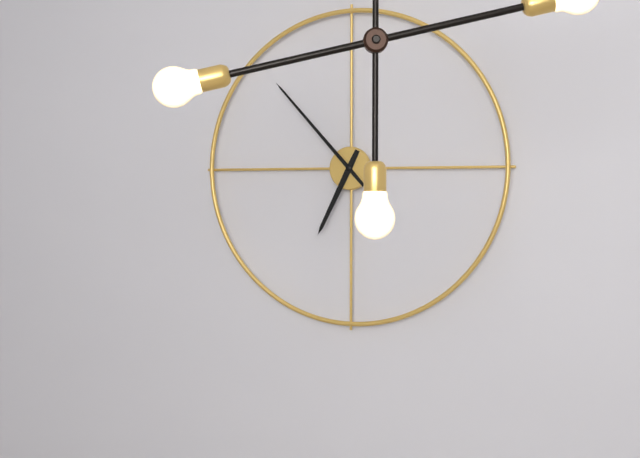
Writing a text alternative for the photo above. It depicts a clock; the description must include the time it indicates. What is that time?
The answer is 6:53
